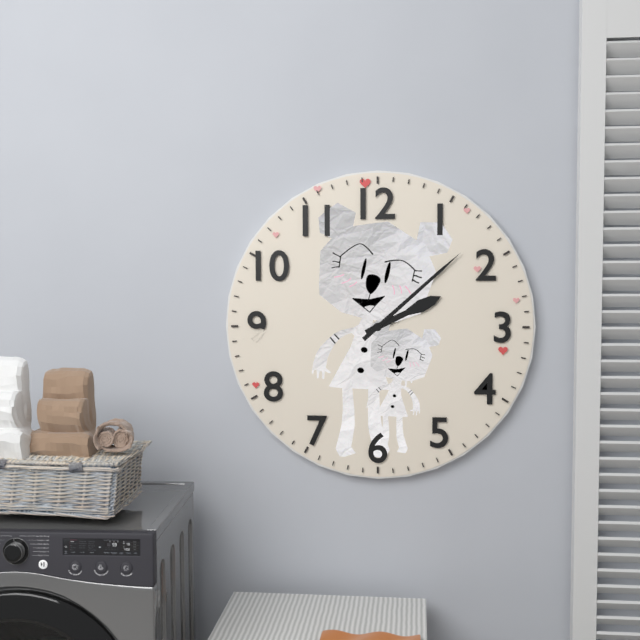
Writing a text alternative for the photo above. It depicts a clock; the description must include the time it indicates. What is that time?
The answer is 2:08
